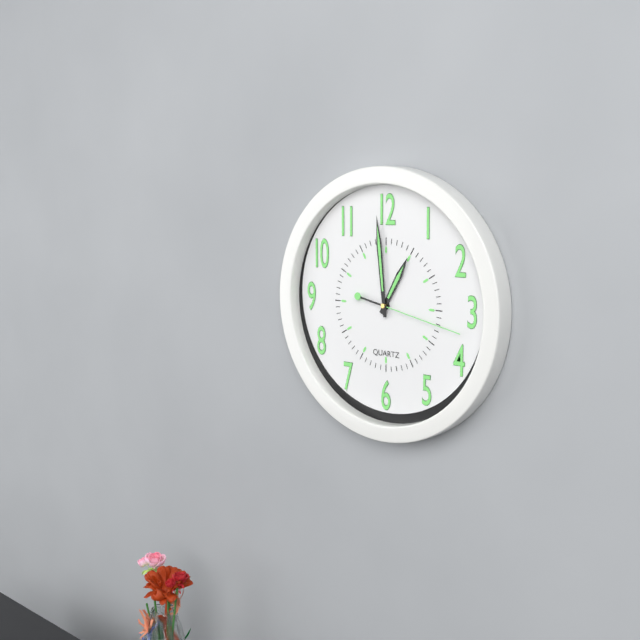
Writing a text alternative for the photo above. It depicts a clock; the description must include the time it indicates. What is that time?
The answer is 12:59:17
